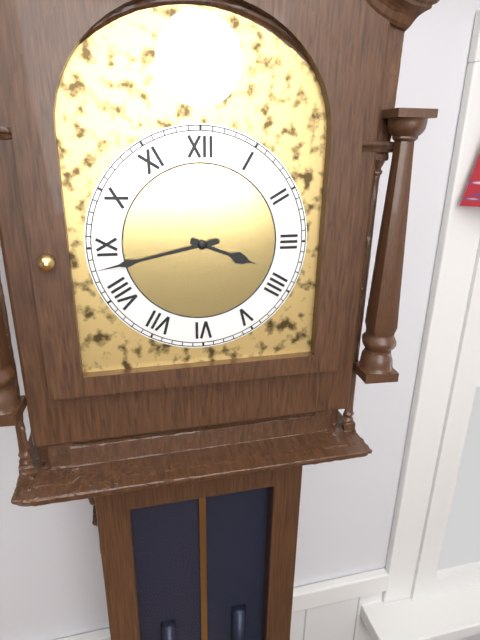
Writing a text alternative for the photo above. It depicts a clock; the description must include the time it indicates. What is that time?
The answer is 3:43
